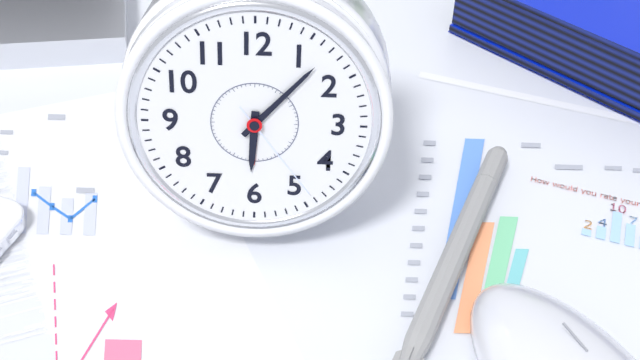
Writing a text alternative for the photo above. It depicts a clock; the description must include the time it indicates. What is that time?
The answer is 6:07:24
